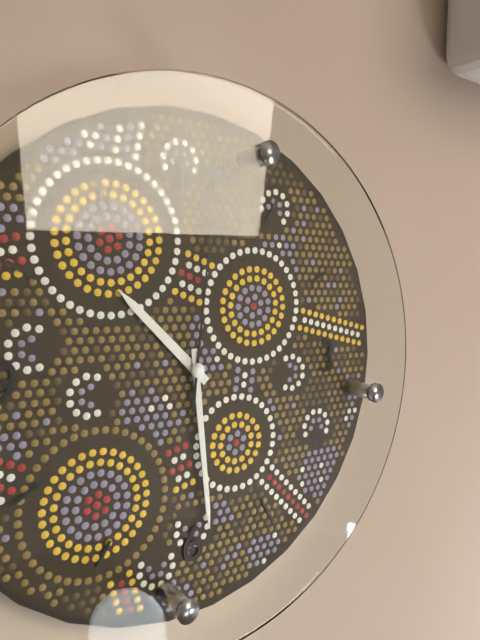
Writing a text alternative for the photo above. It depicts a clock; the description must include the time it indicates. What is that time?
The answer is 10:29:01
